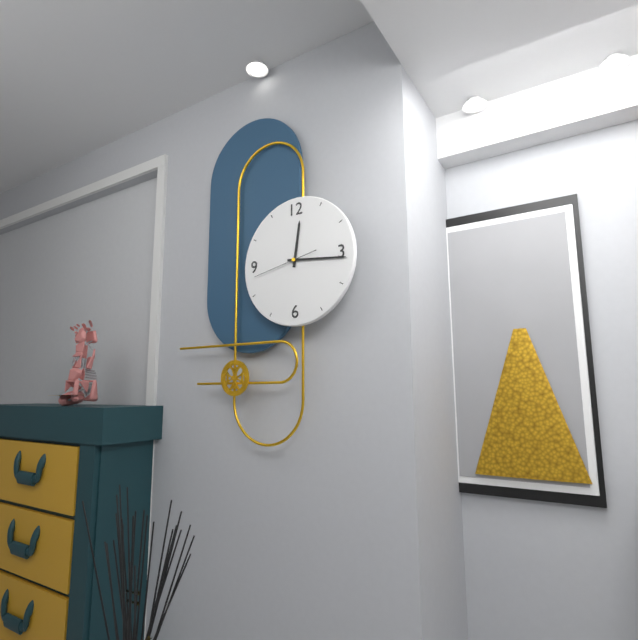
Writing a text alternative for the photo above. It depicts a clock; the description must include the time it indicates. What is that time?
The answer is 12:16:43
